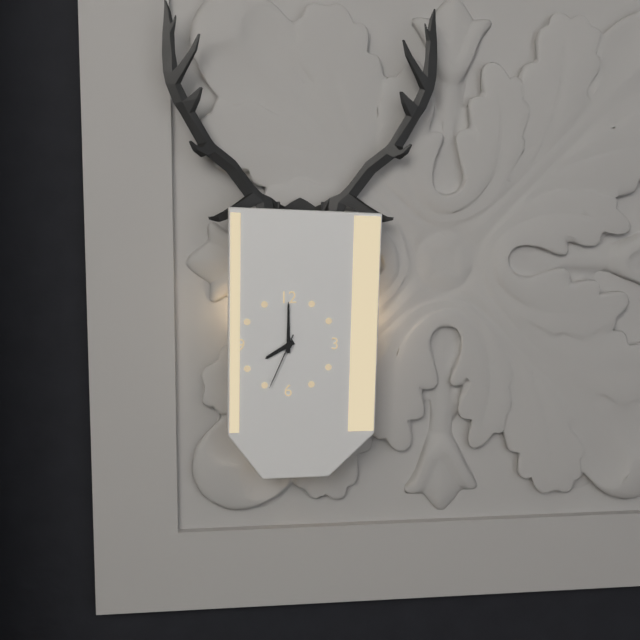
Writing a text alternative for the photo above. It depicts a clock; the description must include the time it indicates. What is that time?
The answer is 8:00:34
